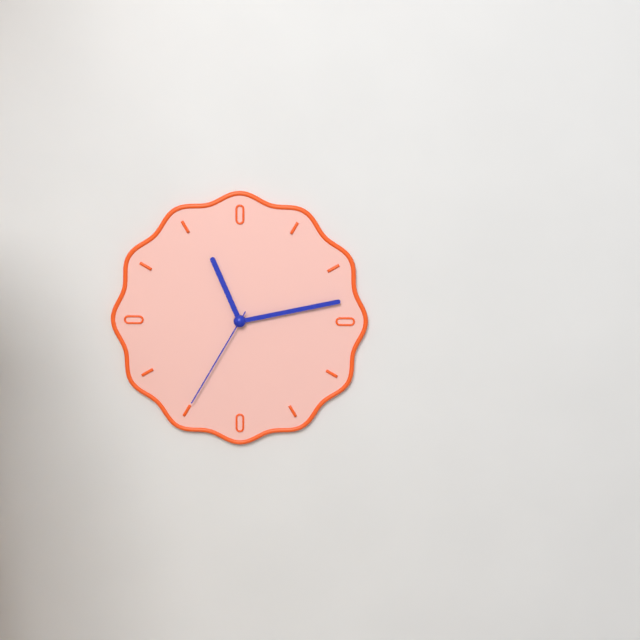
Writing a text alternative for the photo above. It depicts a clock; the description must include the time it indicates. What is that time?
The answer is 11:13:35
